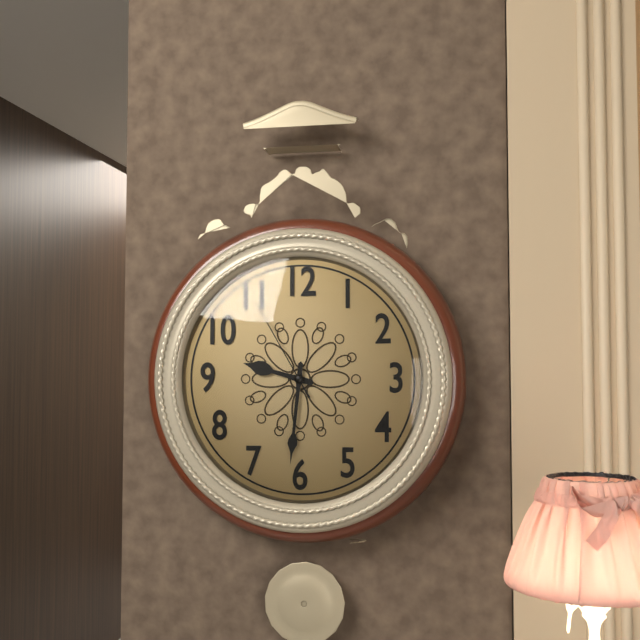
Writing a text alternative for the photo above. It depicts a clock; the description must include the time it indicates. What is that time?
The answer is 9:31:55
